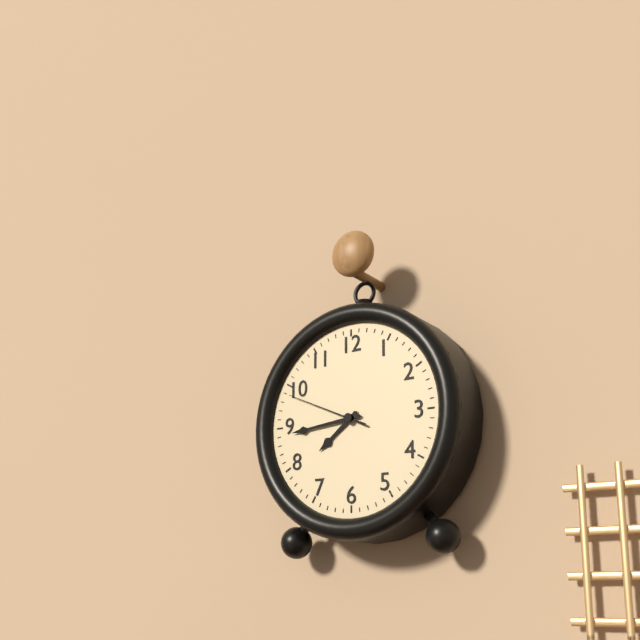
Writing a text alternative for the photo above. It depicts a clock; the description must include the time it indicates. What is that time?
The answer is 7:44:49
